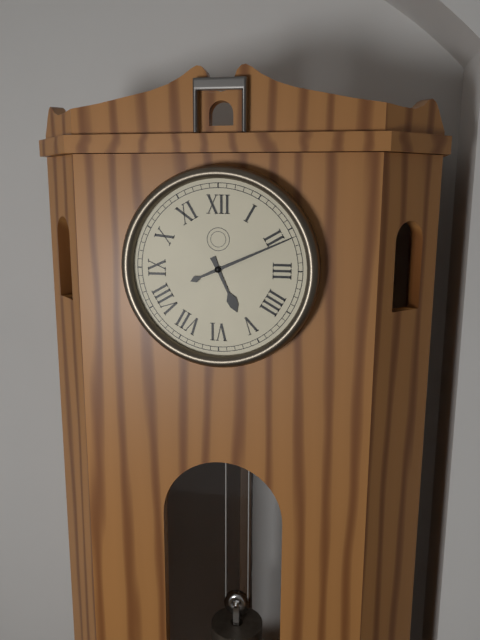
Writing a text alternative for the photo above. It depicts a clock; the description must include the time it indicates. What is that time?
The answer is 5:11
